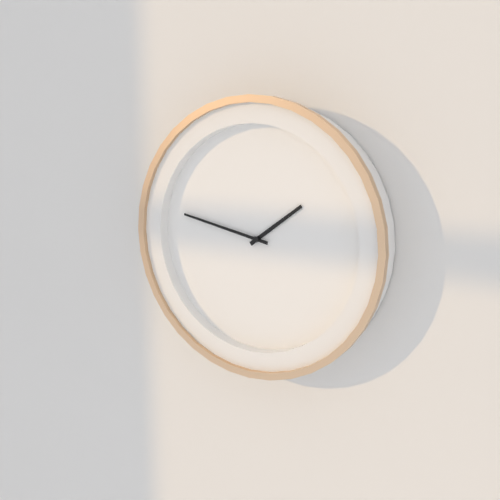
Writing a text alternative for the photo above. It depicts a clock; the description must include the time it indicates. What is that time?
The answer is 1:47
